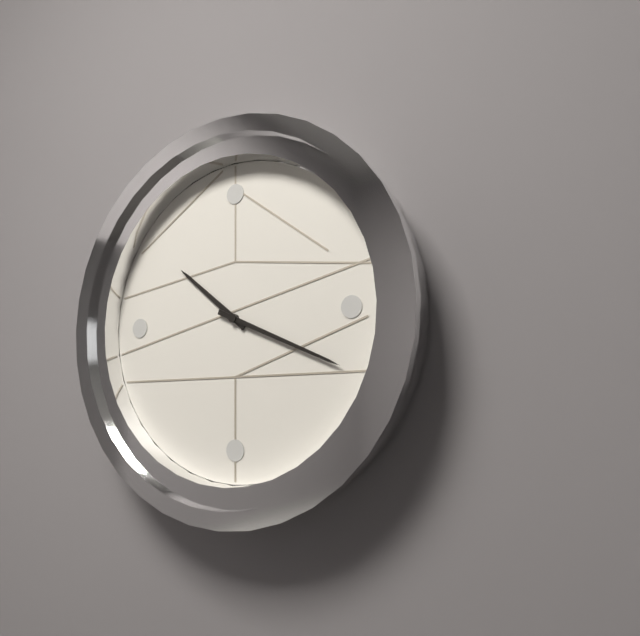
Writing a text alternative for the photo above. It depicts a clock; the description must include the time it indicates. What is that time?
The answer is 10:19
